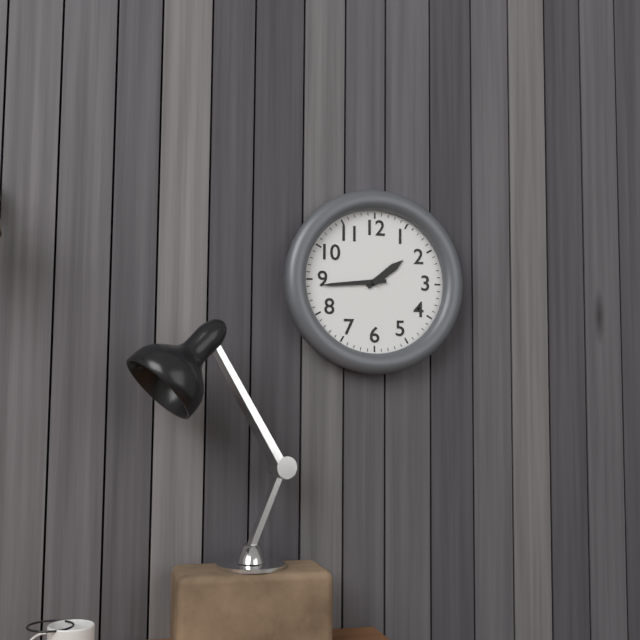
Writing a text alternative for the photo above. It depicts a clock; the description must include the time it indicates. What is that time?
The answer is 1:44
